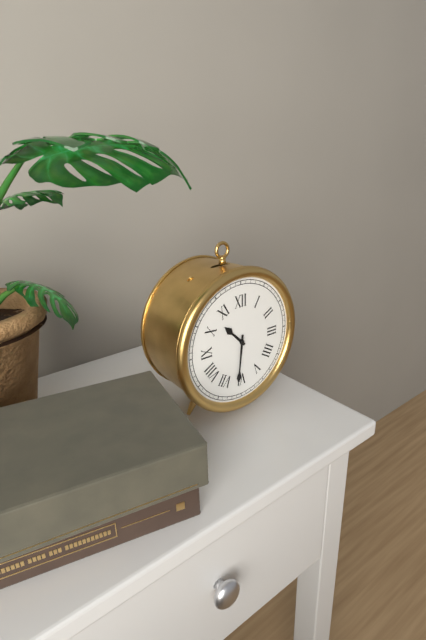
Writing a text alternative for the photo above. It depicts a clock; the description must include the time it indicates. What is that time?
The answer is 10:31
